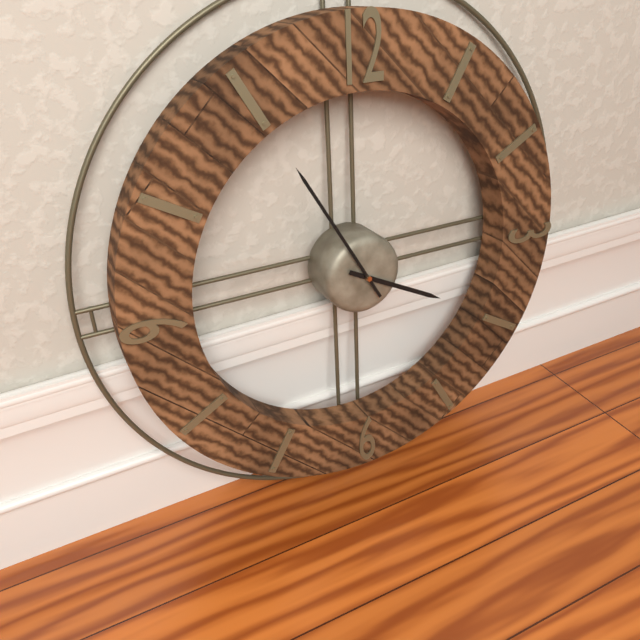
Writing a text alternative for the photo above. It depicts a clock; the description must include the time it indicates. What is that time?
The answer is 3:55
